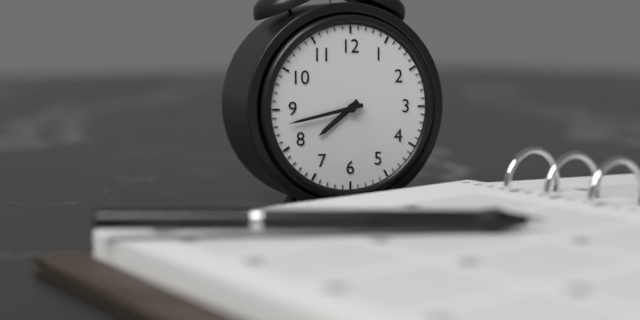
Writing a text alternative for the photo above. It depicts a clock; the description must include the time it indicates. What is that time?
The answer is 7:43
